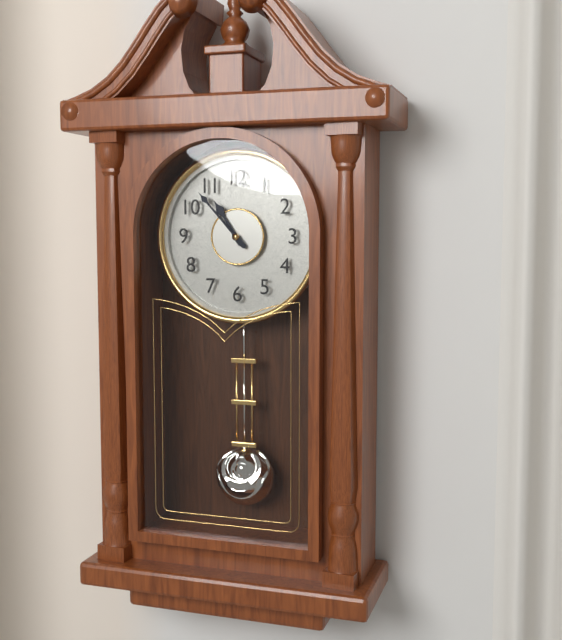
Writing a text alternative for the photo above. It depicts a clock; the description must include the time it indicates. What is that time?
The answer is 10:53
